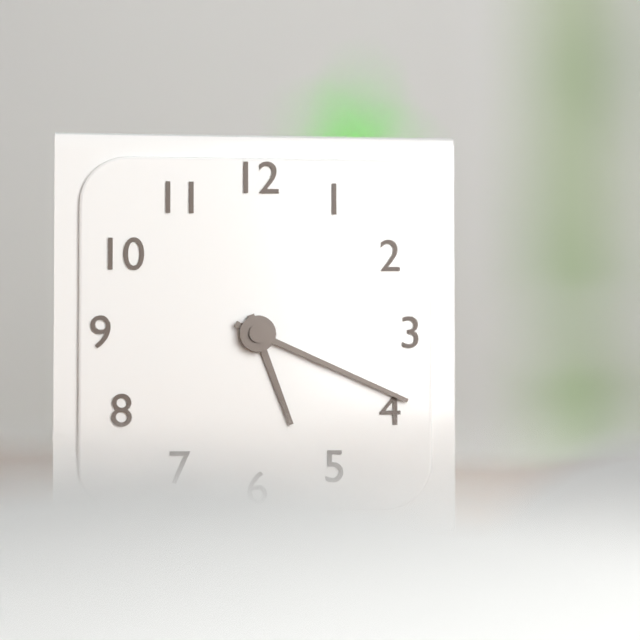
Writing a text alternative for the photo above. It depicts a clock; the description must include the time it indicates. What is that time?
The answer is 5:19
